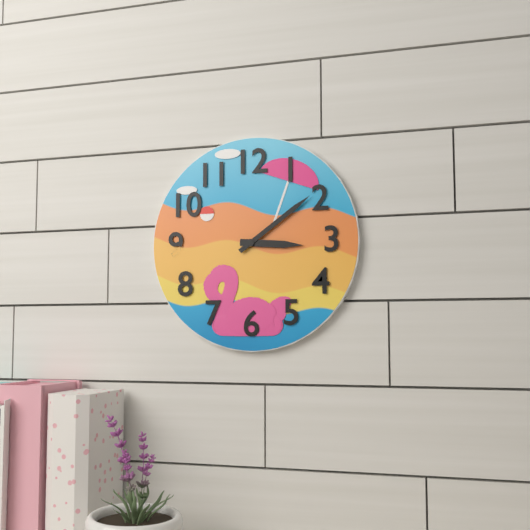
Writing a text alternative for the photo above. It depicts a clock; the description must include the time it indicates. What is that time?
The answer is 3:09
